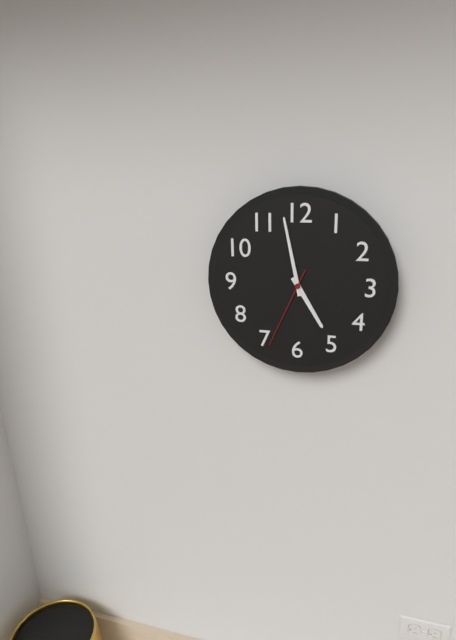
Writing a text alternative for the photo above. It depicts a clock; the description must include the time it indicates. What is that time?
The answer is 4:58:34
